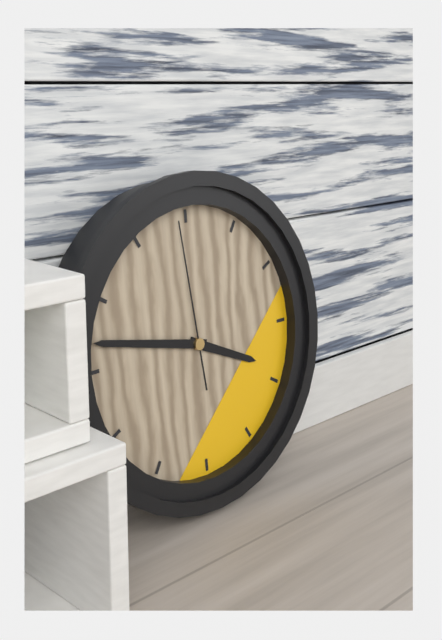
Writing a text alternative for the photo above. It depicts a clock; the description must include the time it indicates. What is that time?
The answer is 3:47:59
